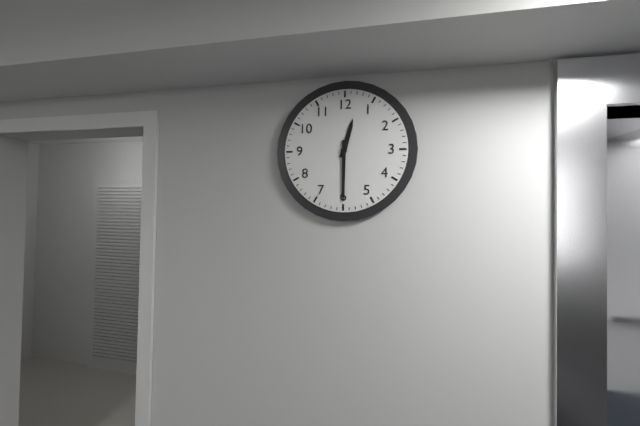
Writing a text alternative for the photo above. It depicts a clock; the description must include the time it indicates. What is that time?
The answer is 12:30
